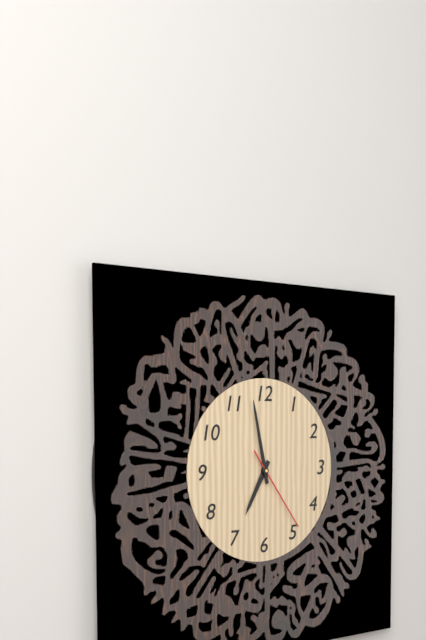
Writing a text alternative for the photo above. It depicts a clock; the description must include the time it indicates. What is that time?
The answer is 6:58:24
